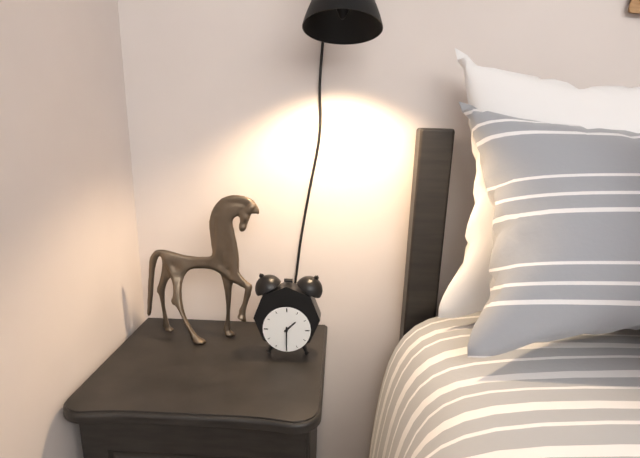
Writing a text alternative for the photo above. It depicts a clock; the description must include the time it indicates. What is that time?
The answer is 1:30
